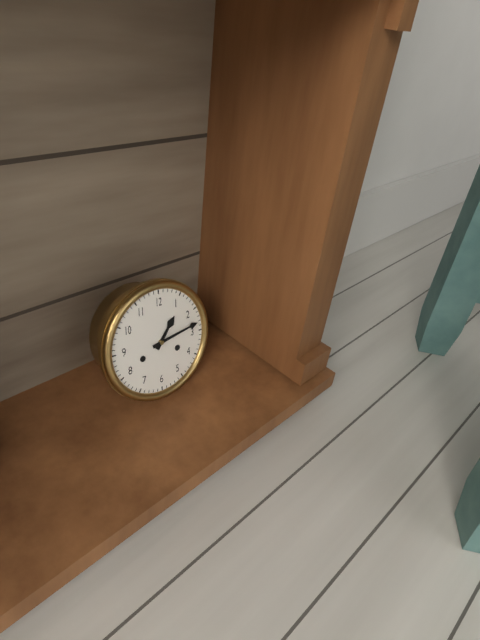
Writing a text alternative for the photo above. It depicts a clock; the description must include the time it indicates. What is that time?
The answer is 1:13
